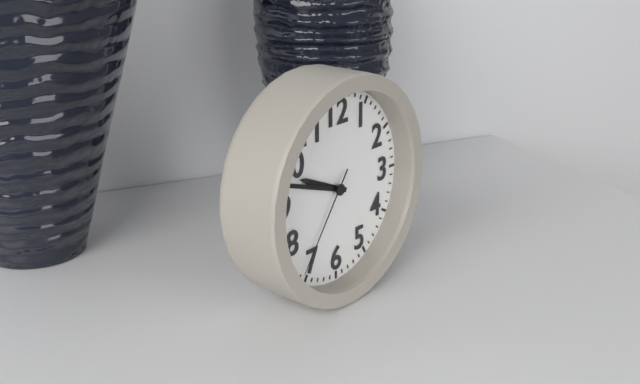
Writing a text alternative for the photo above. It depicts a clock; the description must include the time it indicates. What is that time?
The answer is 9:48:36
